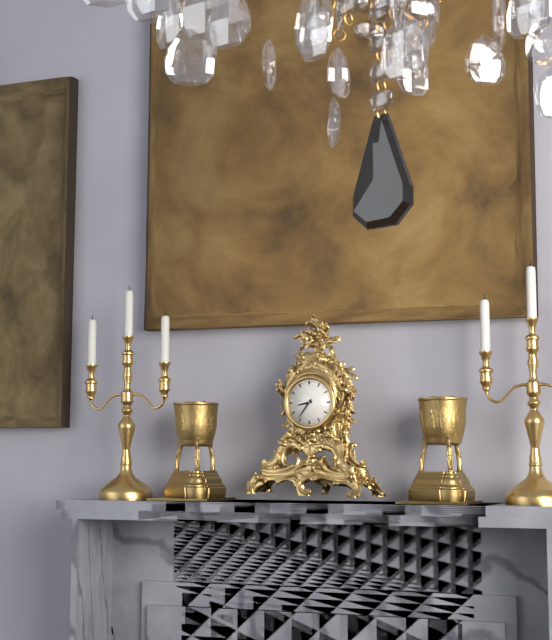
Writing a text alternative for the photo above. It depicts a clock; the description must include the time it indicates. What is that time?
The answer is 8:36
